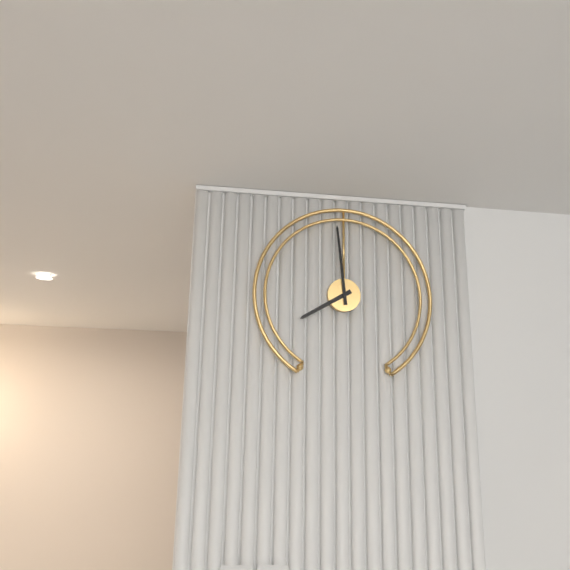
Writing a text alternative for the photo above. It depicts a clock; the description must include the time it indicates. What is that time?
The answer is 7:59
